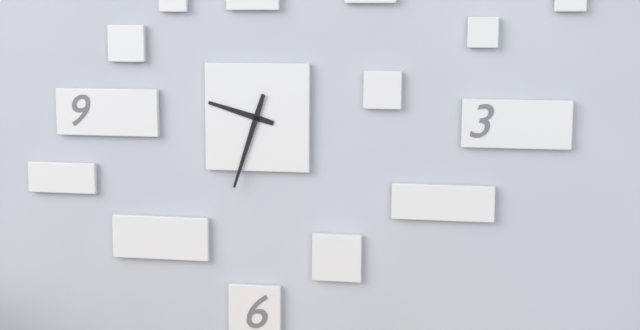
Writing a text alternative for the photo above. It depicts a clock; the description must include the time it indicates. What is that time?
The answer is 9:33
